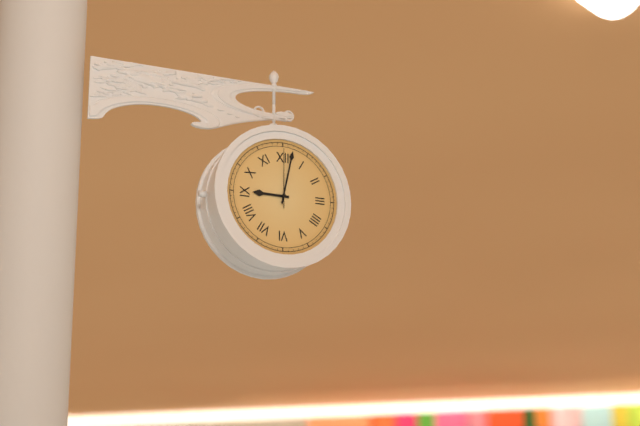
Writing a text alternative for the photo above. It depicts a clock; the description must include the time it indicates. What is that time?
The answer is 9:02:00
